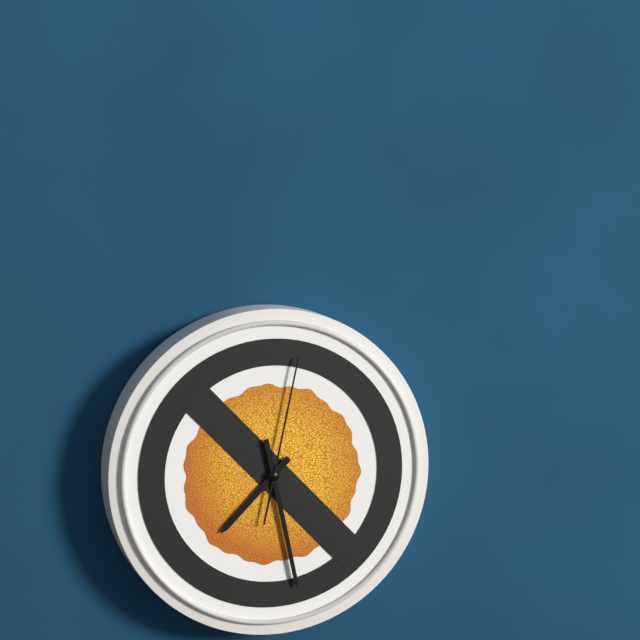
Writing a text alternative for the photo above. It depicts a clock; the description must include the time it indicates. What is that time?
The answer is 7:28:02
